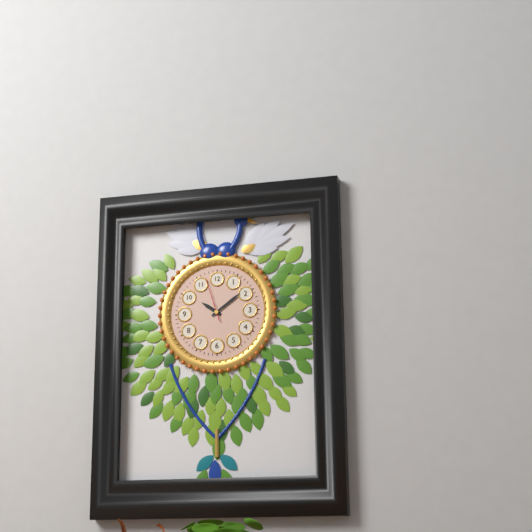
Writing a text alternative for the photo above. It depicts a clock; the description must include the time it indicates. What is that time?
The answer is 10:09
